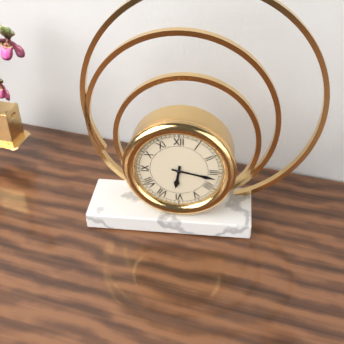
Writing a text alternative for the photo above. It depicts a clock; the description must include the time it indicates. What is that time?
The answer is 6:17
